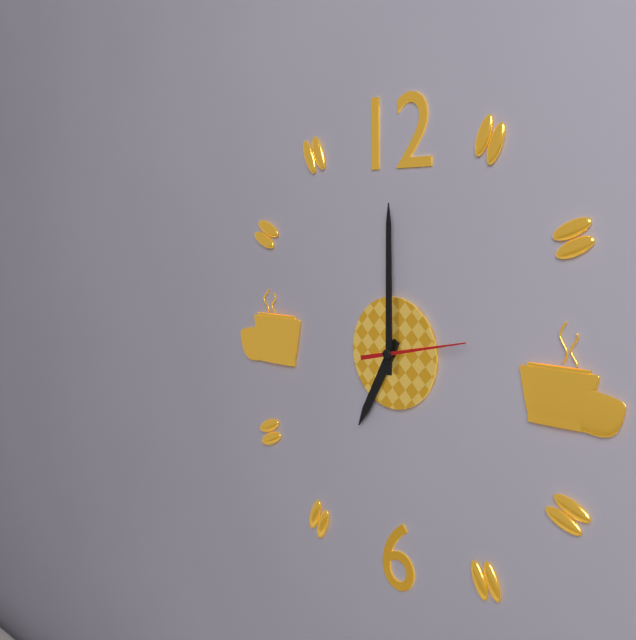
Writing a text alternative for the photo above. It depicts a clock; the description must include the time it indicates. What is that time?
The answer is 7:00:13
